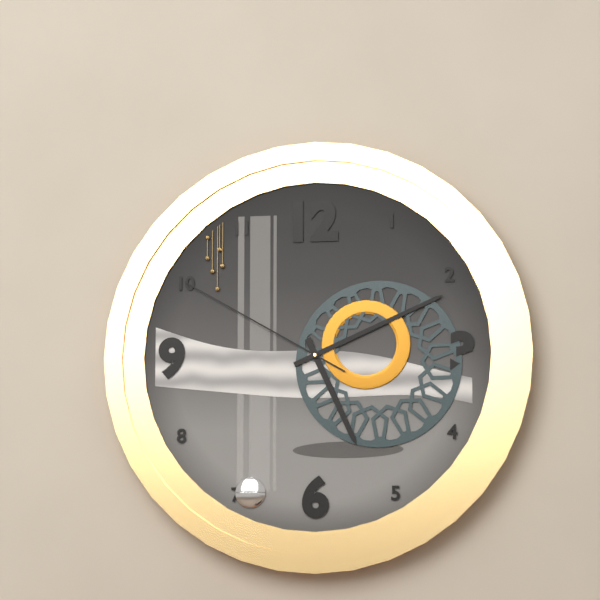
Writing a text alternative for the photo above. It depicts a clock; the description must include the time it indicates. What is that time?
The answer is 5:11:50
